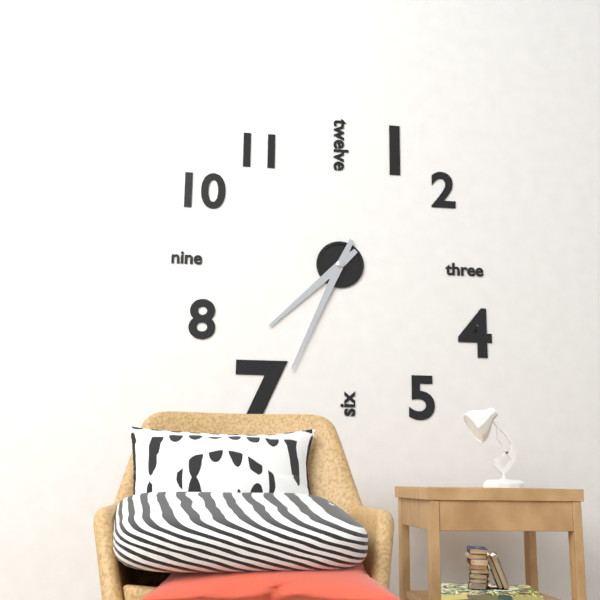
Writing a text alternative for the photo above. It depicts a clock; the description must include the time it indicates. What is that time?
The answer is 7:34
